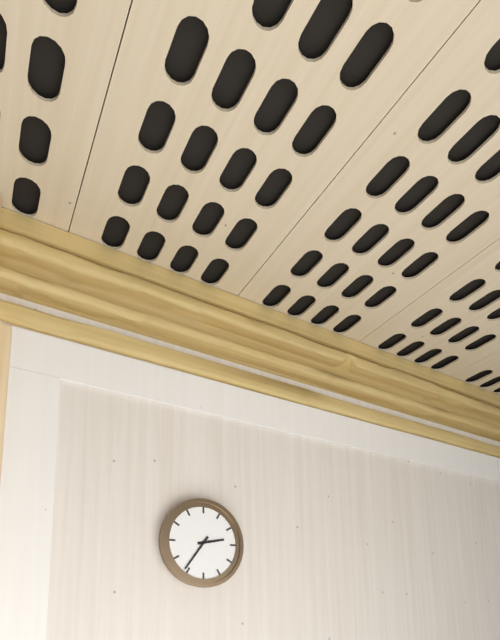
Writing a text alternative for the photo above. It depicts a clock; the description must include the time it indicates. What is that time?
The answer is 2:36
